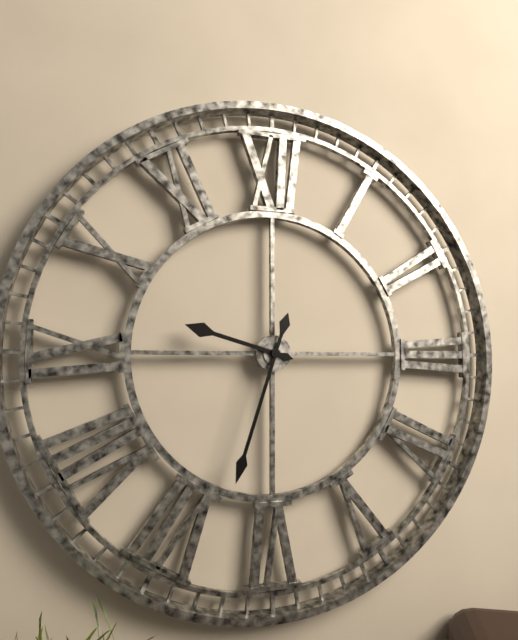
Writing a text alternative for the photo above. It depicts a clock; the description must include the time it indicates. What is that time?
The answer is 9:33
